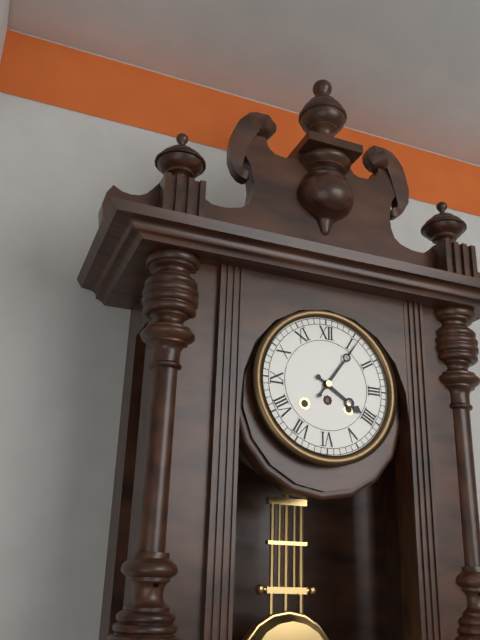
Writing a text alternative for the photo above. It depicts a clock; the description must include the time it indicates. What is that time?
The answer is 4:06
